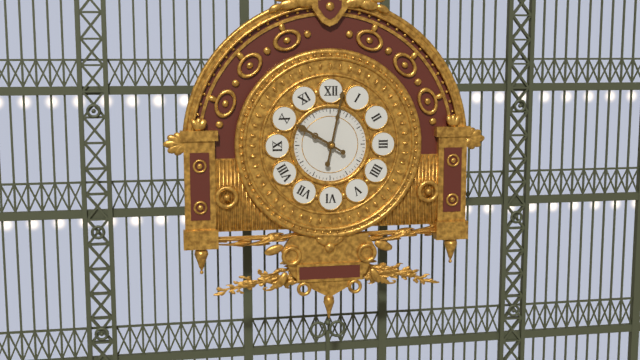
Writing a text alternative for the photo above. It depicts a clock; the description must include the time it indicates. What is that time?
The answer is 10:02
